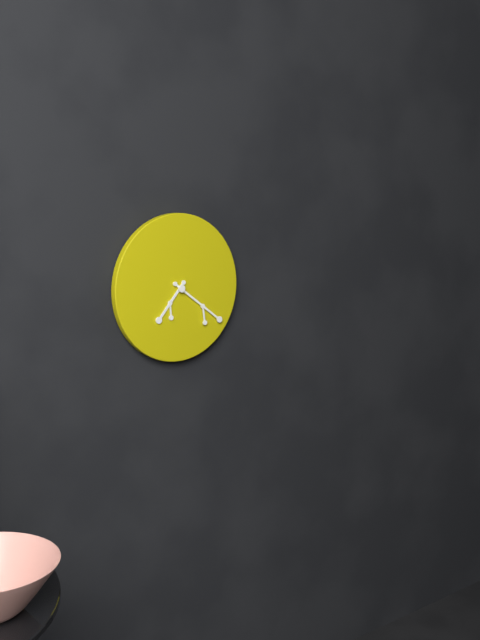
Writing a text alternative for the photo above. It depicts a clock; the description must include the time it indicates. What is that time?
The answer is 7:21
